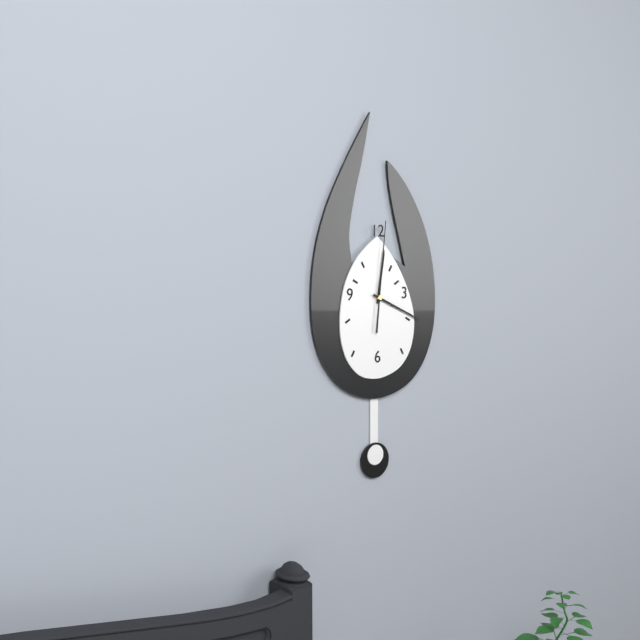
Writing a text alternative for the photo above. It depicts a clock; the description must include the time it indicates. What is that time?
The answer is 12:19:01
